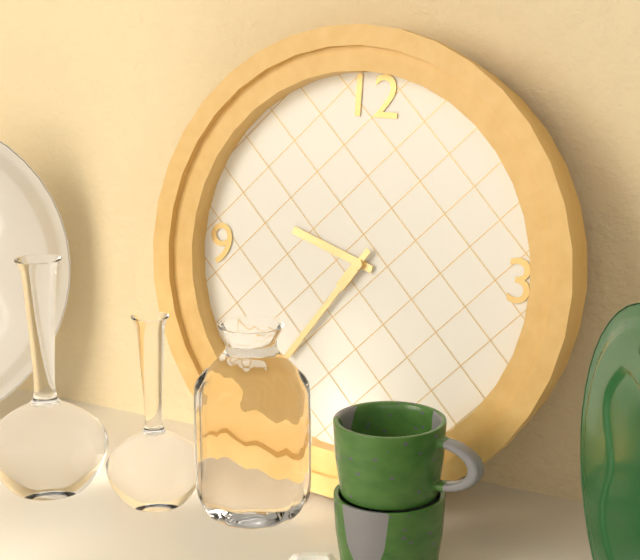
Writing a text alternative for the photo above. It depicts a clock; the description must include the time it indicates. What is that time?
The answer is 9:36
